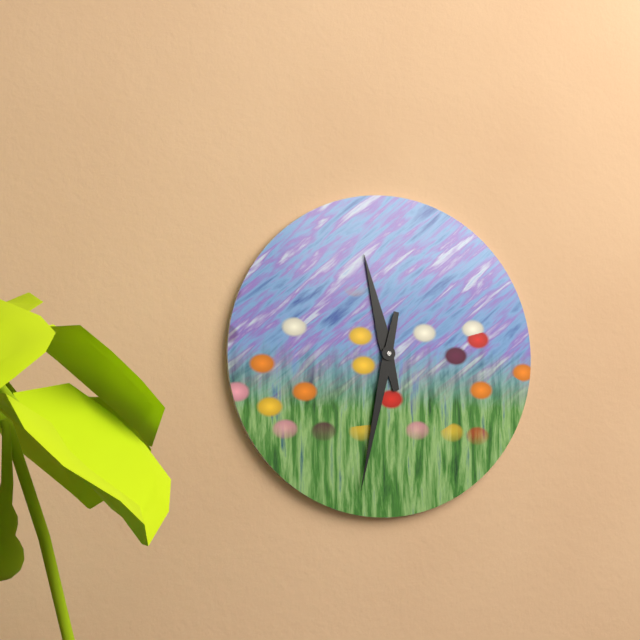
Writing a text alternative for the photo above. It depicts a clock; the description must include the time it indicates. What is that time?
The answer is 11:32
